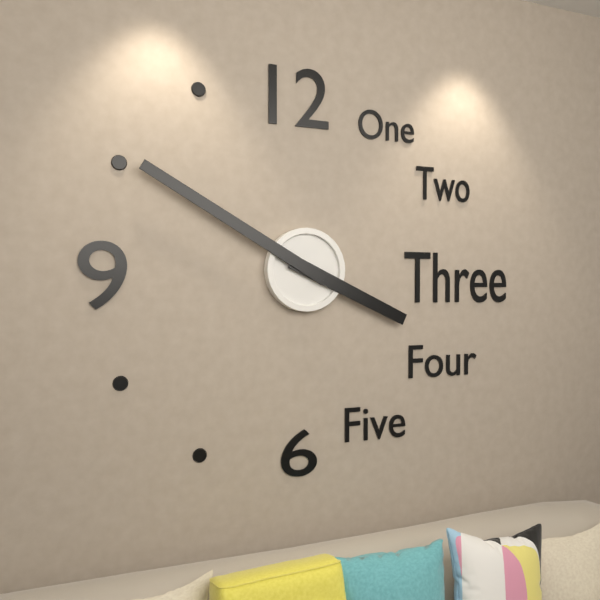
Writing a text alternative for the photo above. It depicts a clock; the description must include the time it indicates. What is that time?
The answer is 3:50
